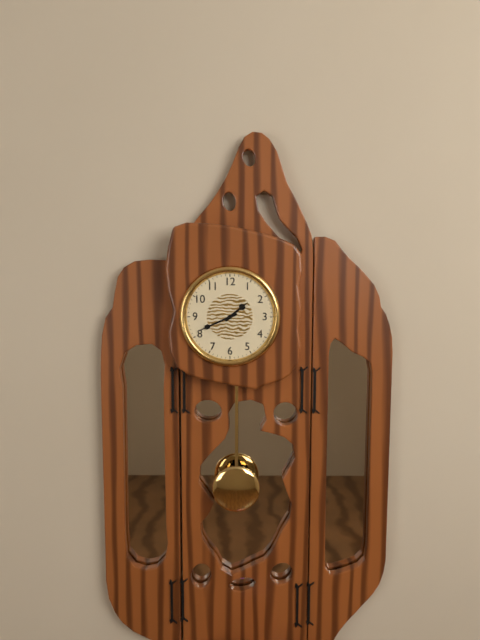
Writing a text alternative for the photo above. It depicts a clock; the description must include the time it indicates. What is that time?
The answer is 1:41
